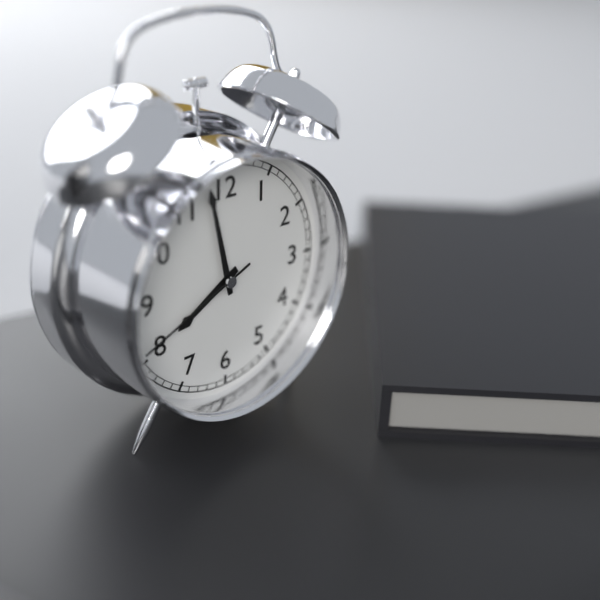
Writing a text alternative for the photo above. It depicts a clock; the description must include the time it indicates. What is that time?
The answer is 7:58:41
